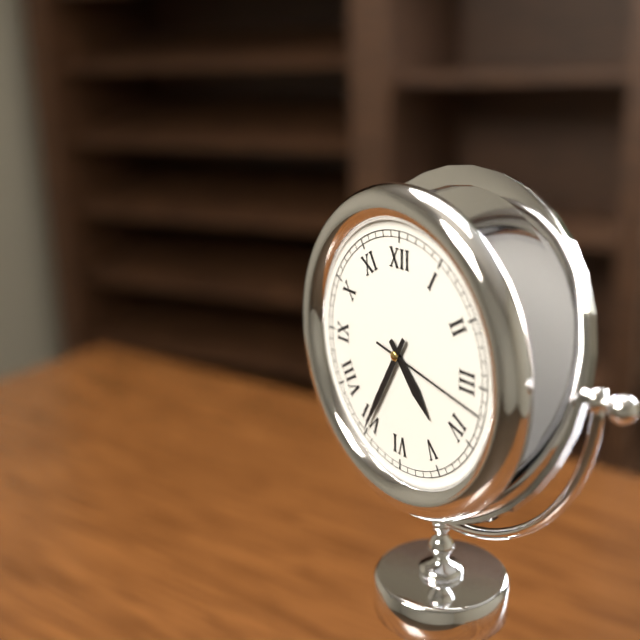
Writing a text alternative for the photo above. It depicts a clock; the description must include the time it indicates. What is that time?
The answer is 4:35:17
